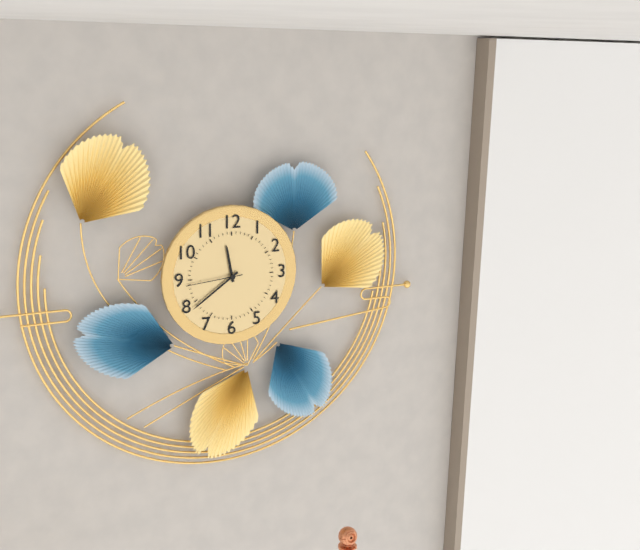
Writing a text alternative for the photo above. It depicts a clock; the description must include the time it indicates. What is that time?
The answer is 11:39:44
